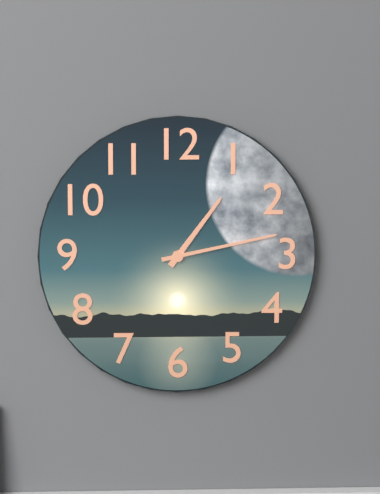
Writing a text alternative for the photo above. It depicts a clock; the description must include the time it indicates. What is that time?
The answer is 1:13
